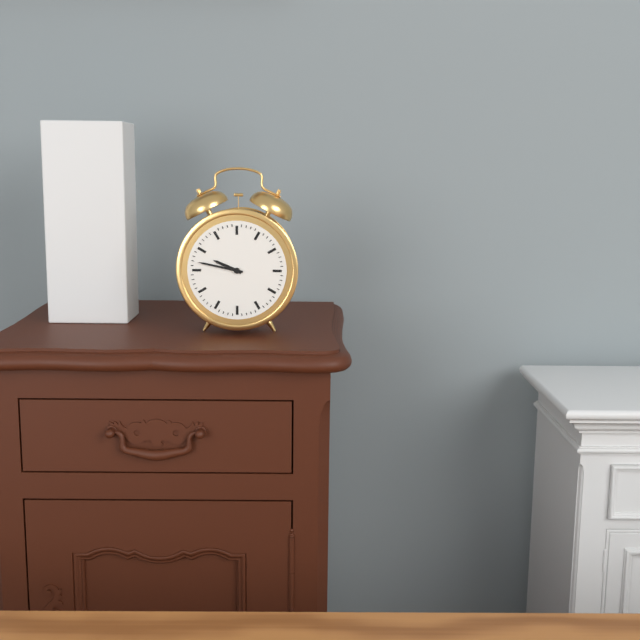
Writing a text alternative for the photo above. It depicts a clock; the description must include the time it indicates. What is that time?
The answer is 9:47
